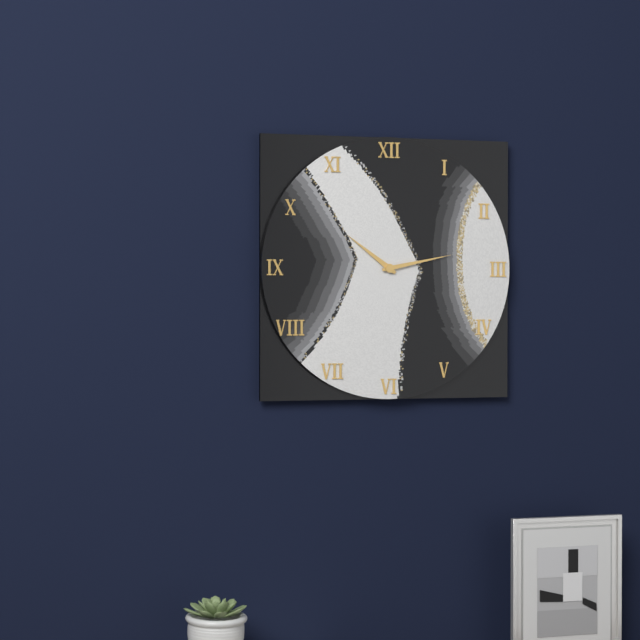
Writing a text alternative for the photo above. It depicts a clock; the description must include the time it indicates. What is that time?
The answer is 10:13
